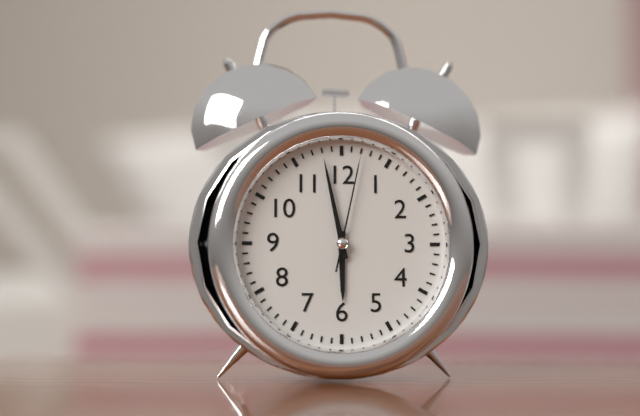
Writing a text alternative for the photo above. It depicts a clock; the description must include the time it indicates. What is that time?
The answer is 5:58:02
